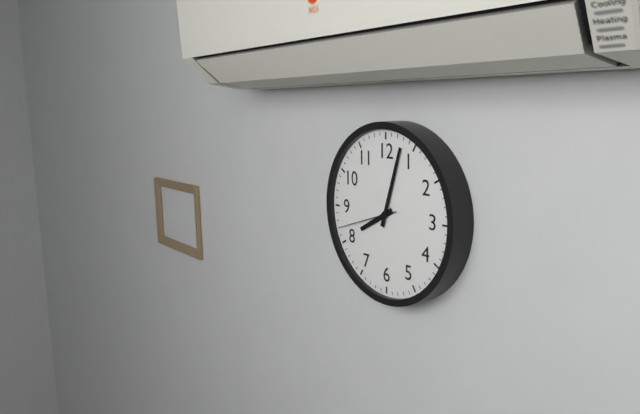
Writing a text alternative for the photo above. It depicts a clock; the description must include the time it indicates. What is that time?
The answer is 8:03:42
